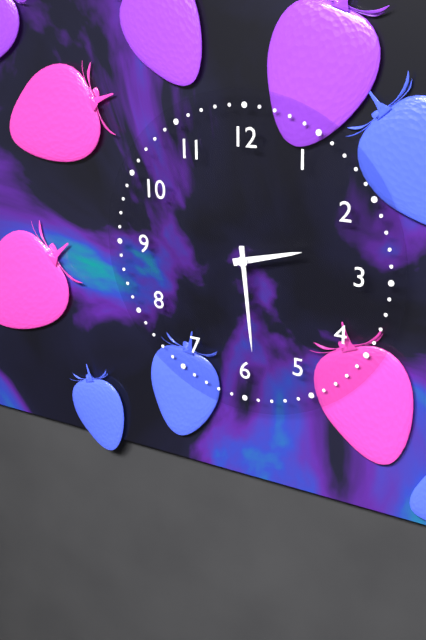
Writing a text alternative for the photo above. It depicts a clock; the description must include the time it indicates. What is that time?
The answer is 2:29
